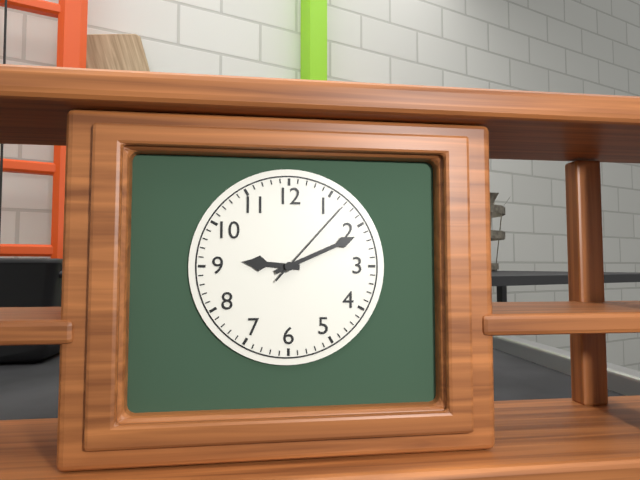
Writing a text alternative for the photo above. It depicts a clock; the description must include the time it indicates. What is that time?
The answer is 9:11:07
